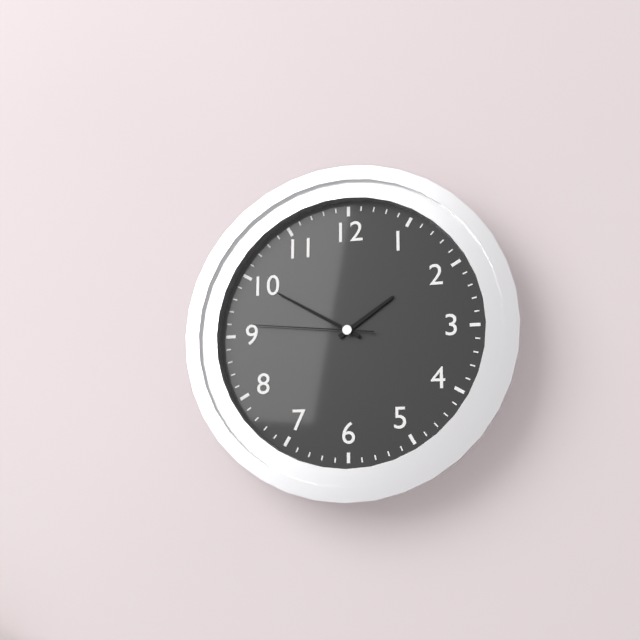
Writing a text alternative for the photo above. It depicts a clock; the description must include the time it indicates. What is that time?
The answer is 1:50:46
